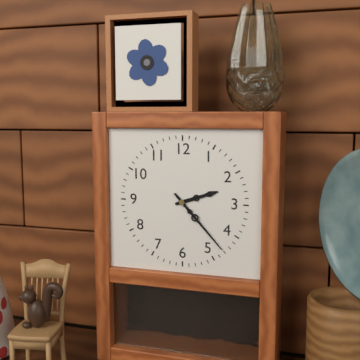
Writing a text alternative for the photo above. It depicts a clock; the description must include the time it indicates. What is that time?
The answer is 2:23
